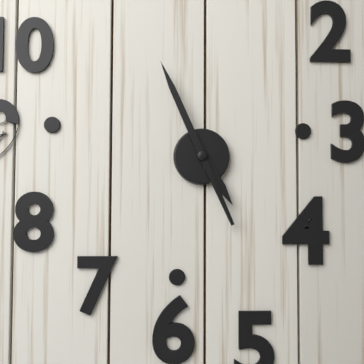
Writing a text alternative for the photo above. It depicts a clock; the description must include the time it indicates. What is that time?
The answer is 4:56
